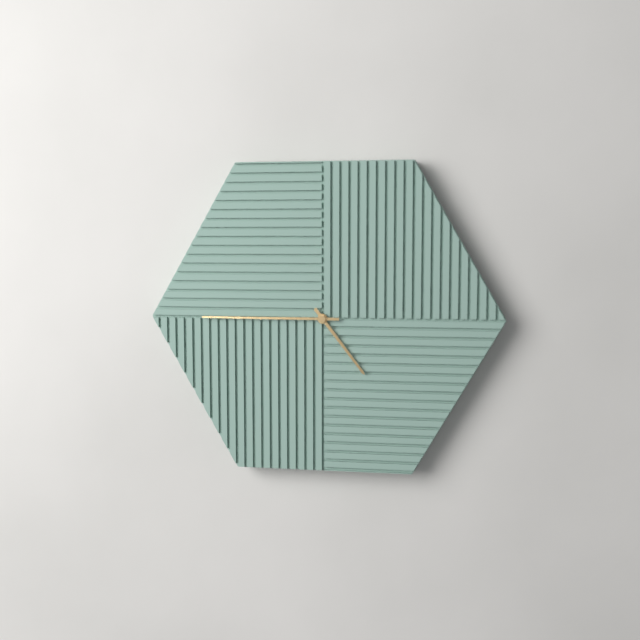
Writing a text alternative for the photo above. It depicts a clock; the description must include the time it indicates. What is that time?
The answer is 4:45
